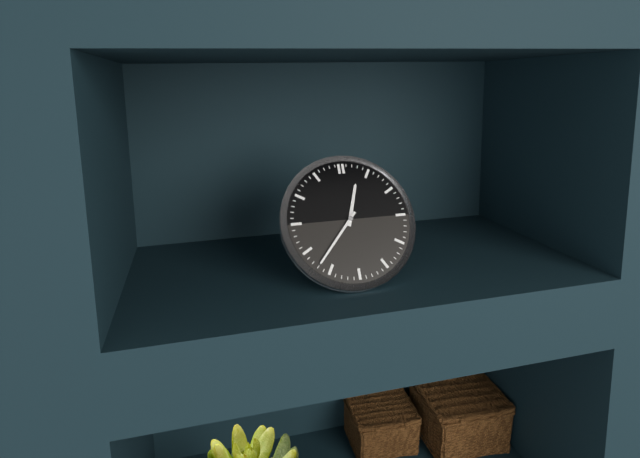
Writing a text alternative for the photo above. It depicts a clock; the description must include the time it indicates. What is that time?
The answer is 12:37
